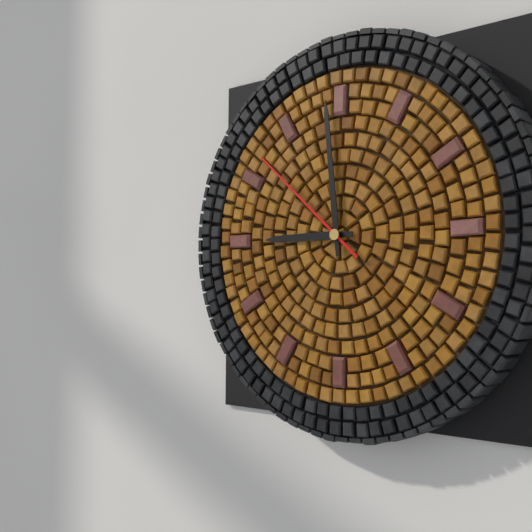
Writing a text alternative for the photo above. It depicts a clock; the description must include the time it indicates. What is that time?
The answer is 8:59:52
